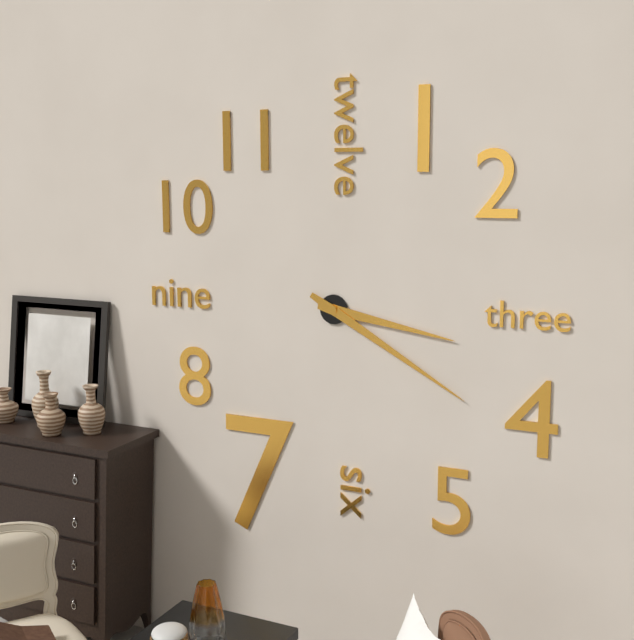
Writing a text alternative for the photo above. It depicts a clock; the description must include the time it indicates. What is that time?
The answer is 3:20
